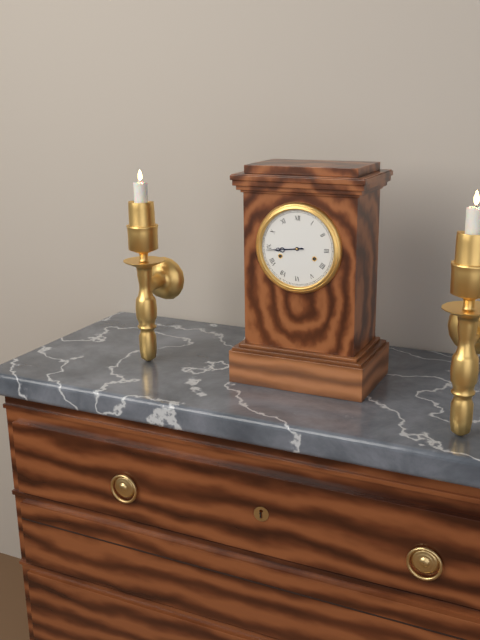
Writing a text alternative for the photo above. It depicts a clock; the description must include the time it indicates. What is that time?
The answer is 8:44
